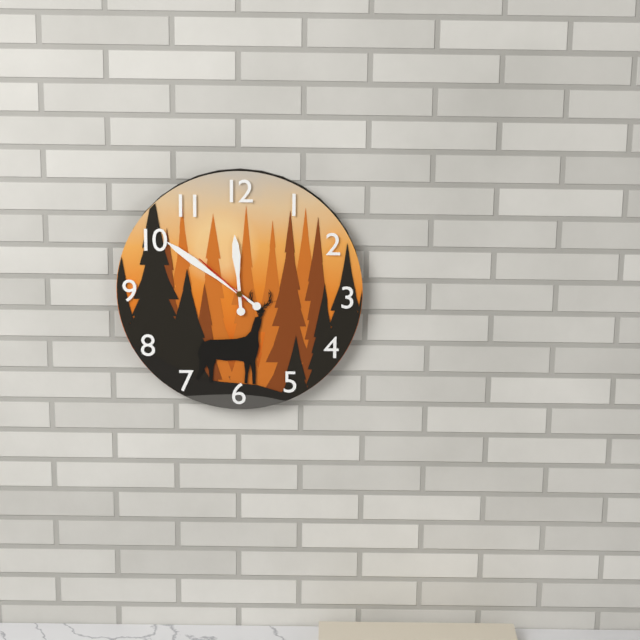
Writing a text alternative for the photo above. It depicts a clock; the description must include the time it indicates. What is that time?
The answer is 11:51:52
